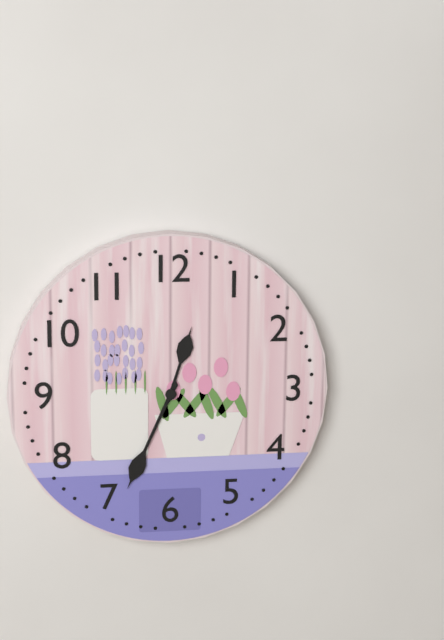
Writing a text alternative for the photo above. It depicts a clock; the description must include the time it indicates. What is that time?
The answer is 12:34
